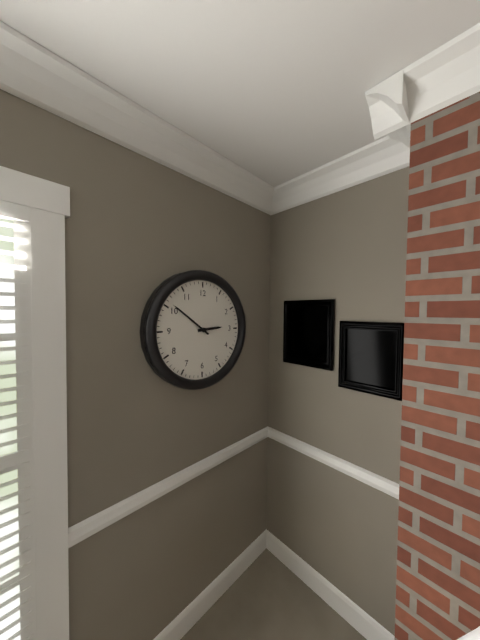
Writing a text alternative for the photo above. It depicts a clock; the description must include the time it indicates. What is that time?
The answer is 2:51
